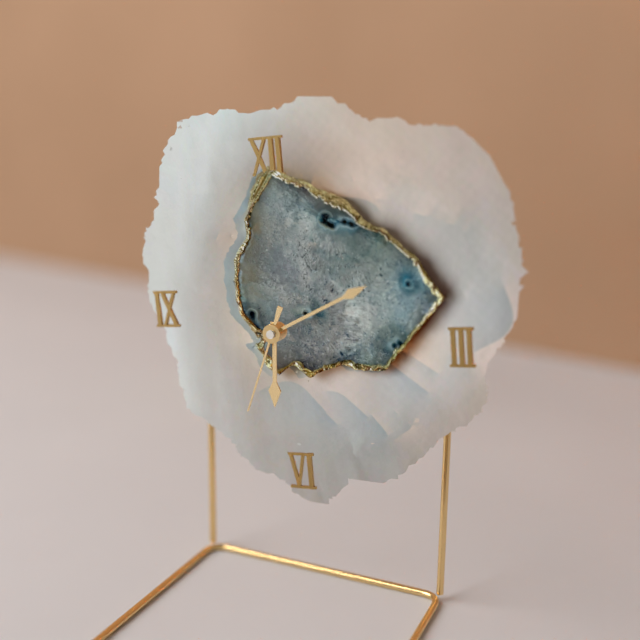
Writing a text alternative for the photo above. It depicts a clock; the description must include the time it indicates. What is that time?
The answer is 6:11:34
